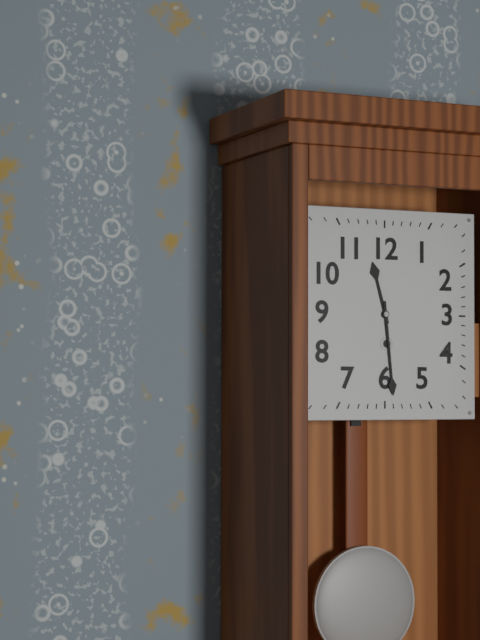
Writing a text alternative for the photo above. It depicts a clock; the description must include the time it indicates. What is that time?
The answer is 11:29
